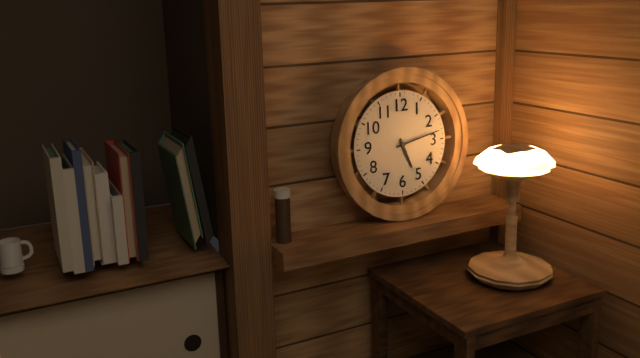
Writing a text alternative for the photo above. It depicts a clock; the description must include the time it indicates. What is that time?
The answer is 5:13
